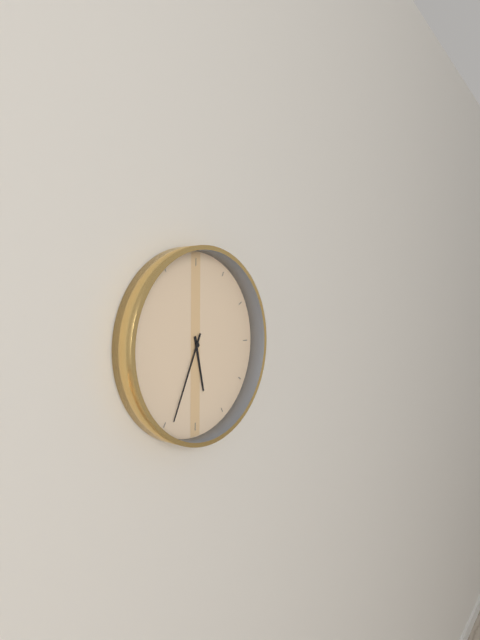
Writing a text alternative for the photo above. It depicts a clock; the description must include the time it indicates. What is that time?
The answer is 5:34
